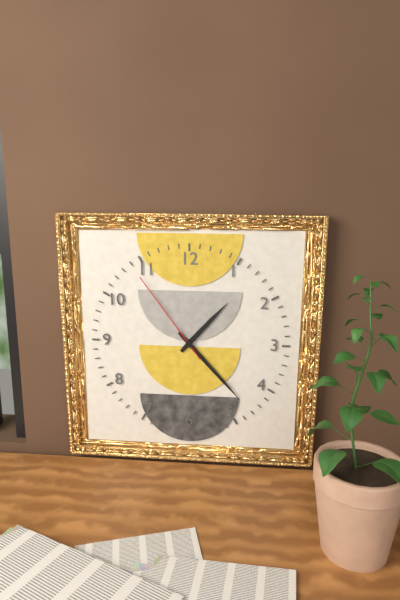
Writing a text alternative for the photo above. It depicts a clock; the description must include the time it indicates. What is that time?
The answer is 1:23:54
